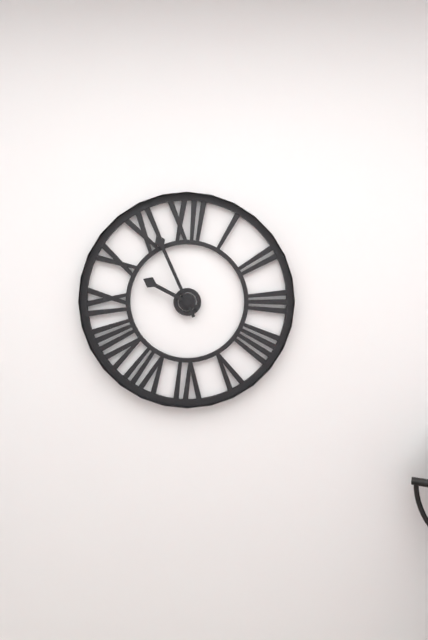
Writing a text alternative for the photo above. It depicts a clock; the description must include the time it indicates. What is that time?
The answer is 9:56
